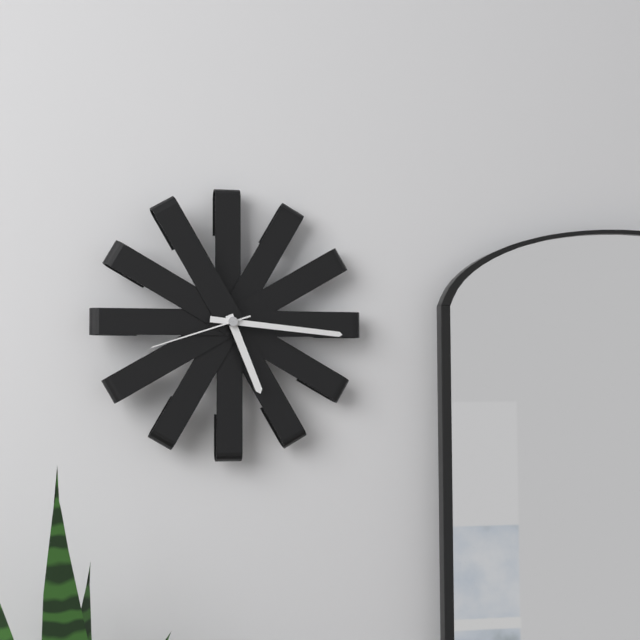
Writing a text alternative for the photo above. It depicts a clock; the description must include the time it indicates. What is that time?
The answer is 5:16:42
